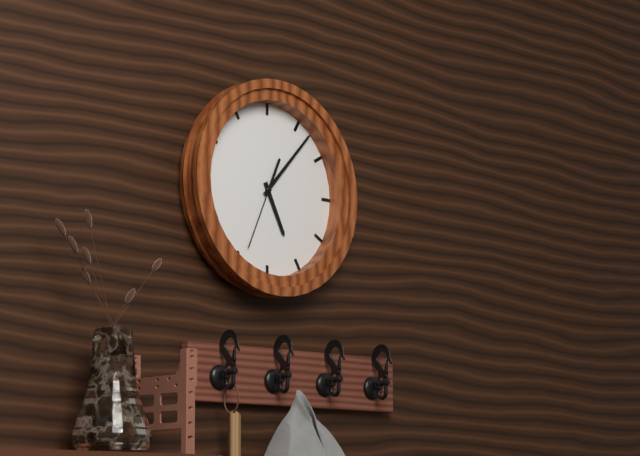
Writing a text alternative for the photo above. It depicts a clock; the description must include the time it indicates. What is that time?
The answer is 5:07:34
